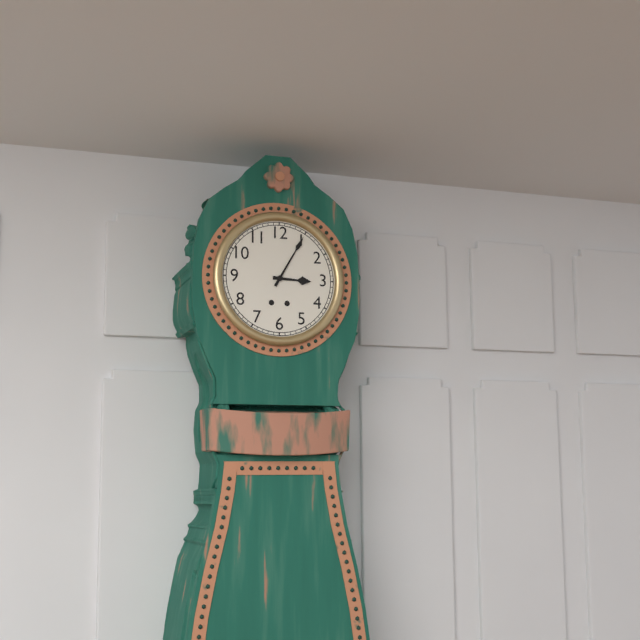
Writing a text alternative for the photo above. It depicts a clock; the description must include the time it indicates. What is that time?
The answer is 3:05
